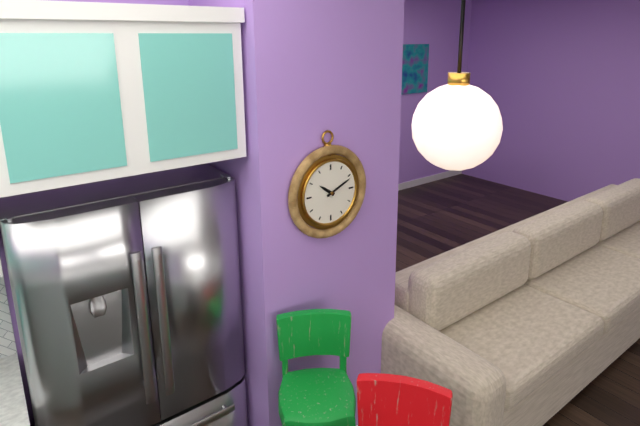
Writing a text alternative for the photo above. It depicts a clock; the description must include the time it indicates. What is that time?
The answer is 10:11
